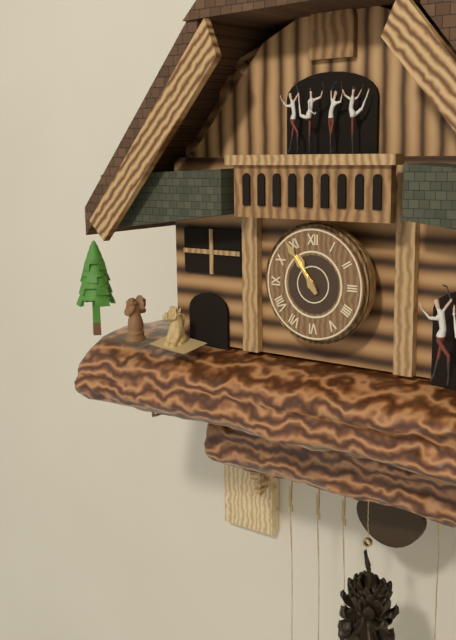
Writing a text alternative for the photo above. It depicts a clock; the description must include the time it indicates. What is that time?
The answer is 10:54
